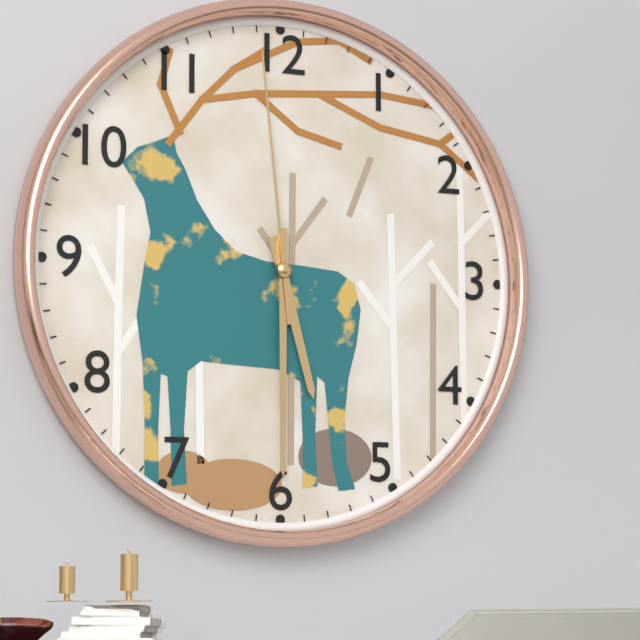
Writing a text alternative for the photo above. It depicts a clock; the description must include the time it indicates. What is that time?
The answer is 5:30:59
